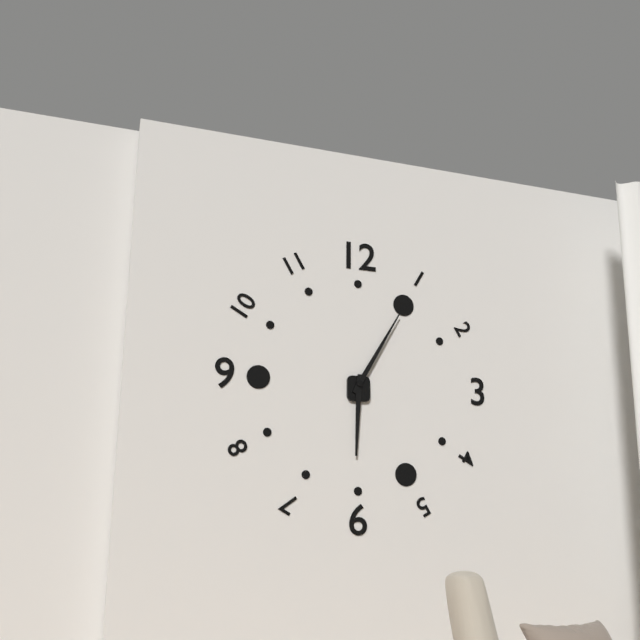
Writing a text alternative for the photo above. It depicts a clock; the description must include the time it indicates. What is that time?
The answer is 6:05
